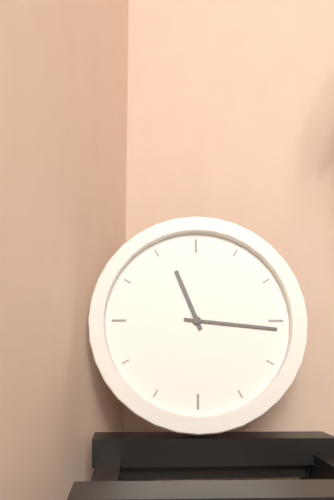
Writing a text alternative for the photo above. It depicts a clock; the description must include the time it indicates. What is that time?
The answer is 11:16
